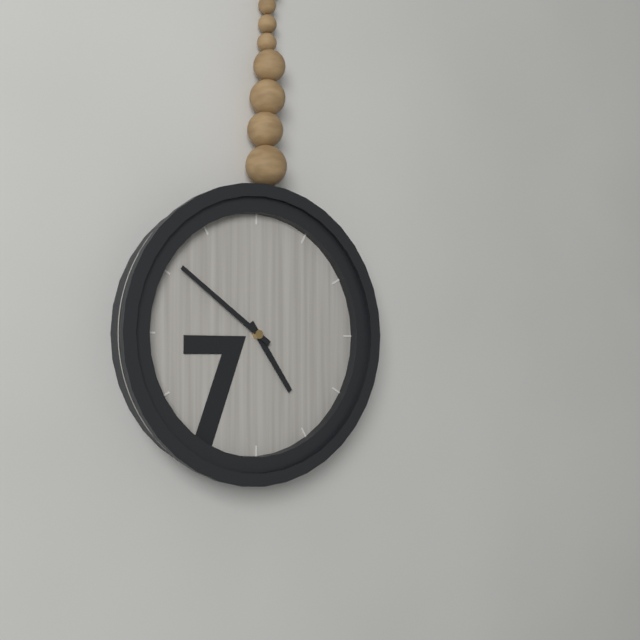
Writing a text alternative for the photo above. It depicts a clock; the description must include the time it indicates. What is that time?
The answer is 4:51
